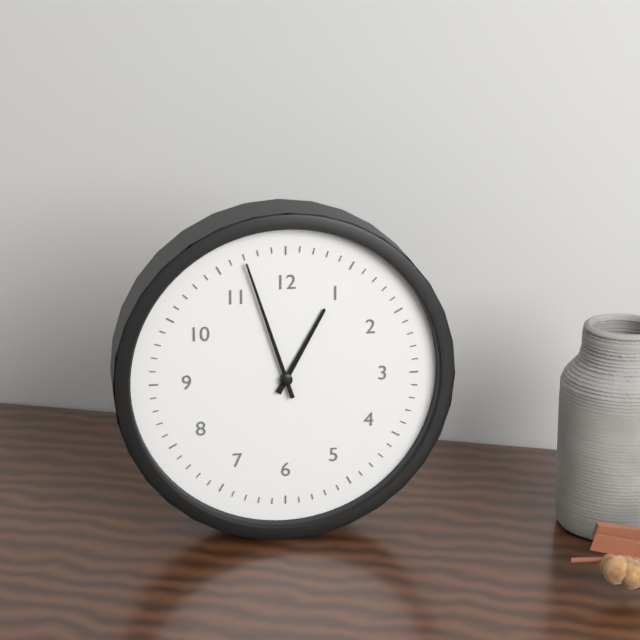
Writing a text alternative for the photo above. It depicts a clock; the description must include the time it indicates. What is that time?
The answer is 12:57
